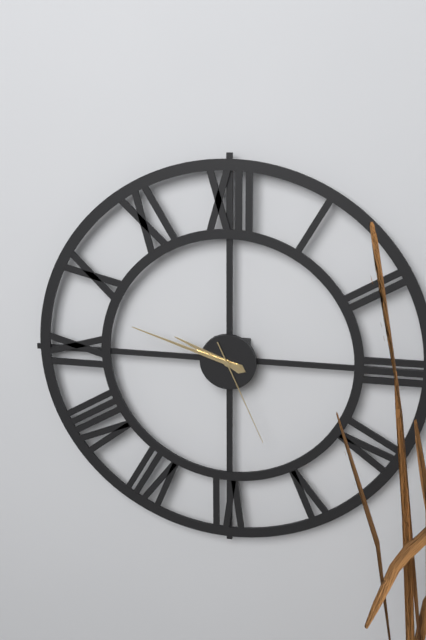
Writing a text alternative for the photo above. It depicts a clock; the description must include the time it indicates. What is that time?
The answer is 9:48:26
